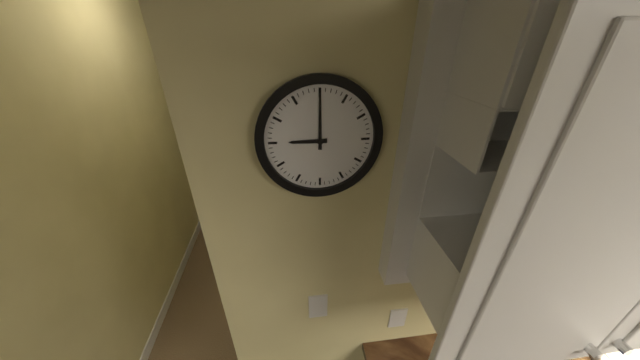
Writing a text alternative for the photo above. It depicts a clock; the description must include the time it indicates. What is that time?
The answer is 9:00
